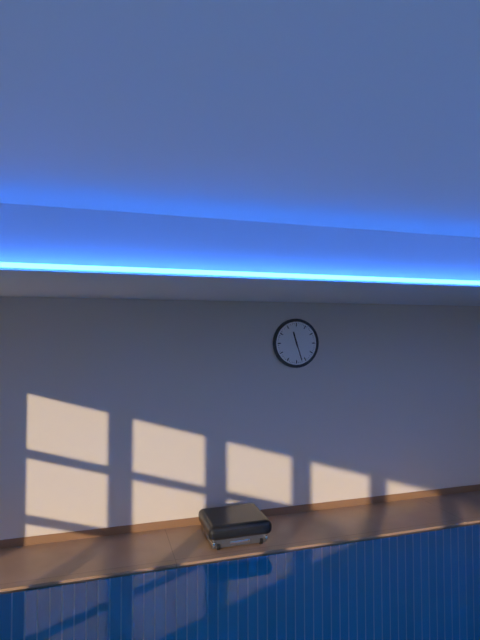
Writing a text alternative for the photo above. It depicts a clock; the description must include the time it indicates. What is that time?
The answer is 11:27
